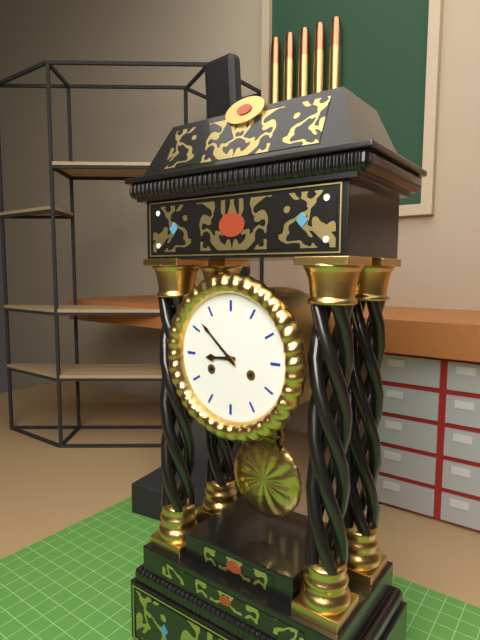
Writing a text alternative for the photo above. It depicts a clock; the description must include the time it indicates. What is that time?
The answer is 8:52
